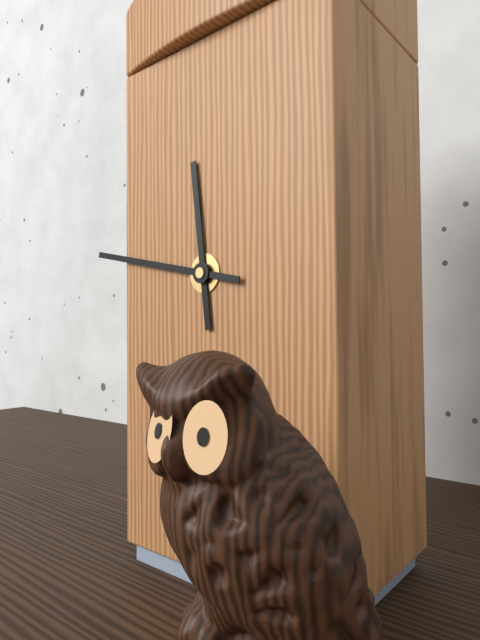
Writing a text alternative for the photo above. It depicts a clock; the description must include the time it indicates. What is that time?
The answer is 11:47
